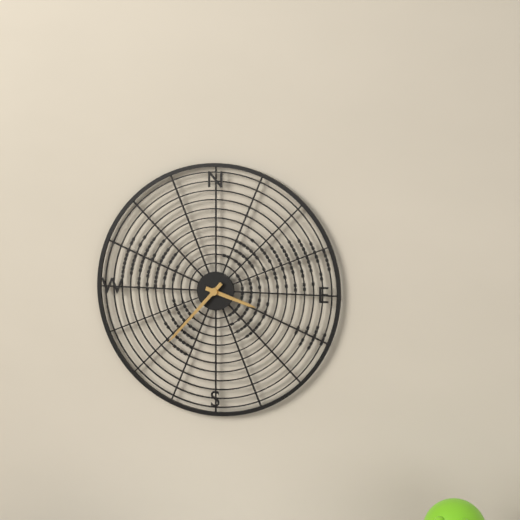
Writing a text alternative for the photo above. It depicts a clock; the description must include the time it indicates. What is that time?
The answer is 3:37
